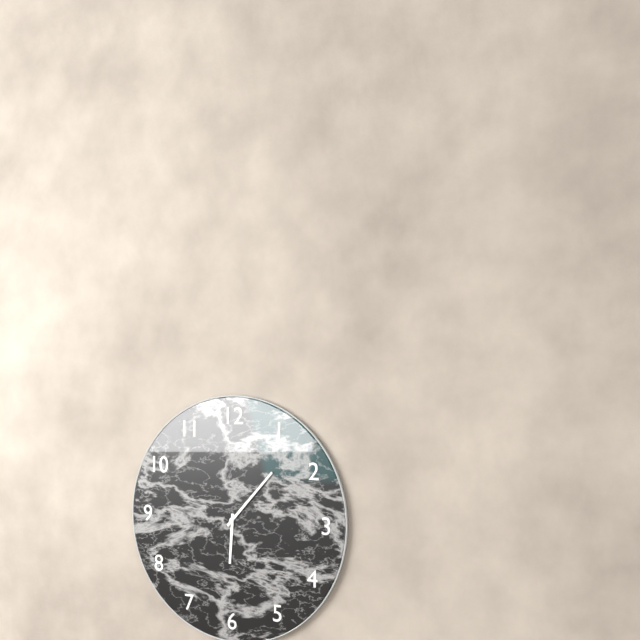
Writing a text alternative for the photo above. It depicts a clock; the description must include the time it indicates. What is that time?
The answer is 6:07
